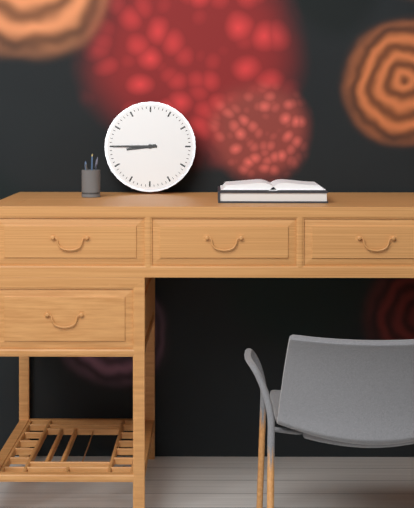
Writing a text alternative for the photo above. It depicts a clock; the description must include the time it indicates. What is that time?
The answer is 8:45
